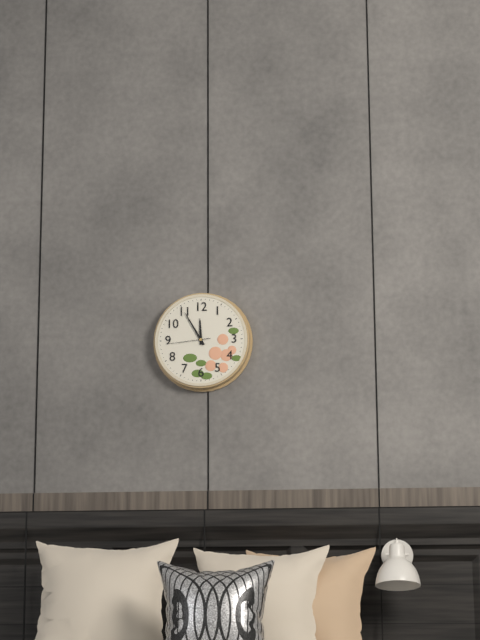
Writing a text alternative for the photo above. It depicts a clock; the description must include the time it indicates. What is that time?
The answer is 11:55
